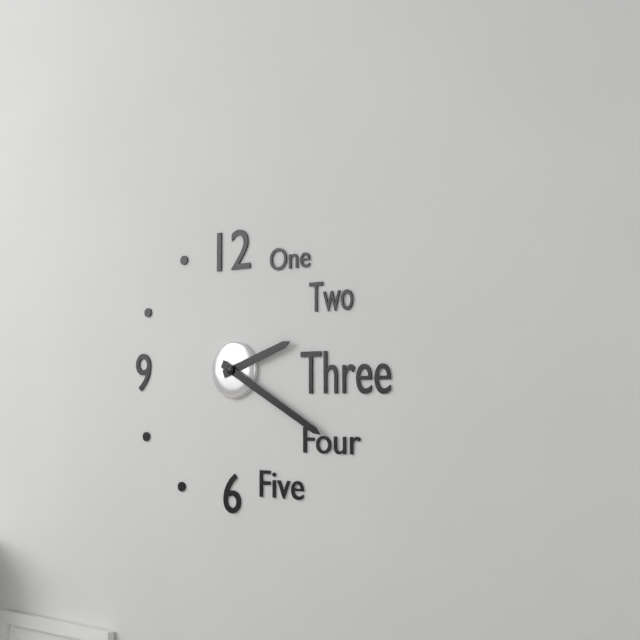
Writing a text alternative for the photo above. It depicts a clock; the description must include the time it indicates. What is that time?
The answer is 2:20
